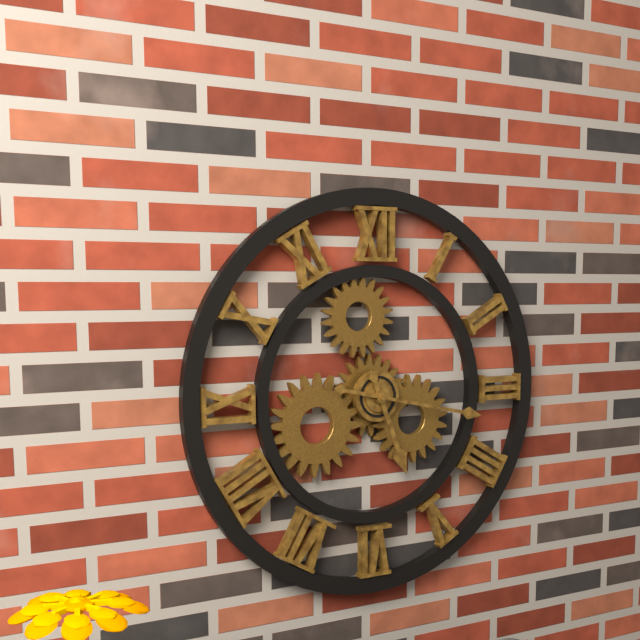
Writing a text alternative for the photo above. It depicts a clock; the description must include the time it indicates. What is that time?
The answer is 5:17
